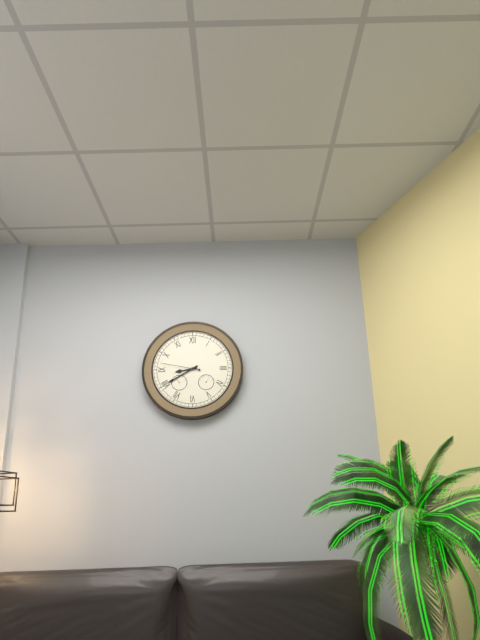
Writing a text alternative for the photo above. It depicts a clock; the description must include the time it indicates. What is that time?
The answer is 8:40
